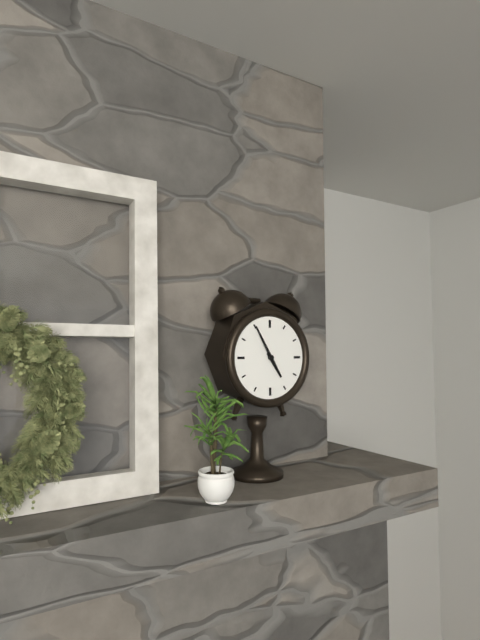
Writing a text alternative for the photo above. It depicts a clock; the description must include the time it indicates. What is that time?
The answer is 4:55
